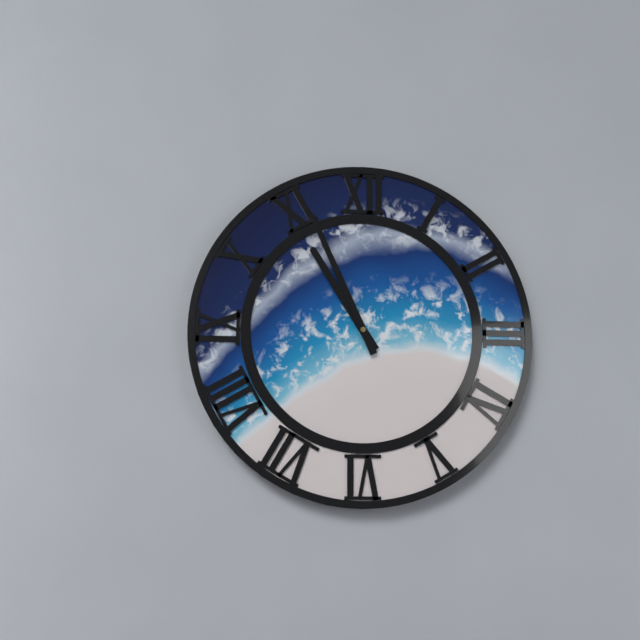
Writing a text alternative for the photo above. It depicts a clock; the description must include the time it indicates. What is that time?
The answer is 10:56
